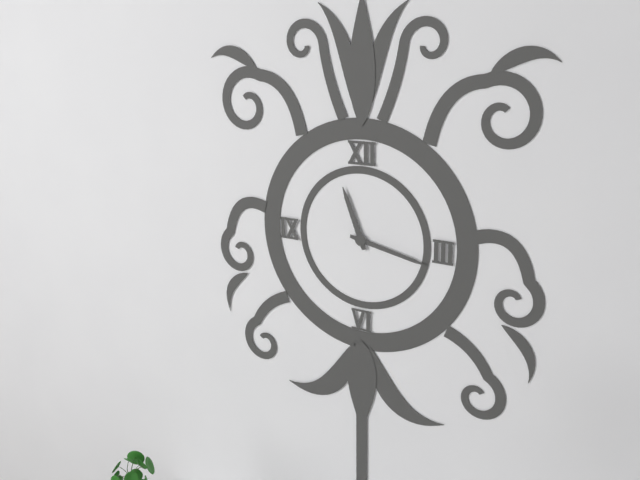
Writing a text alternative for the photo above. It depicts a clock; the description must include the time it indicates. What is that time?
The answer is 11:17
